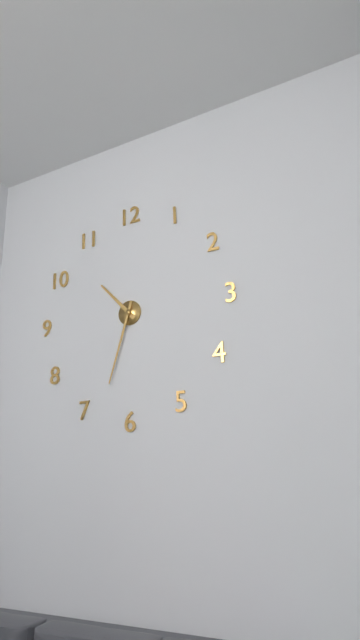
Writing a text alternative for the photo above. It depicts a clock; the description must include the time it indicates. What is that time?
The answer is 10:33
